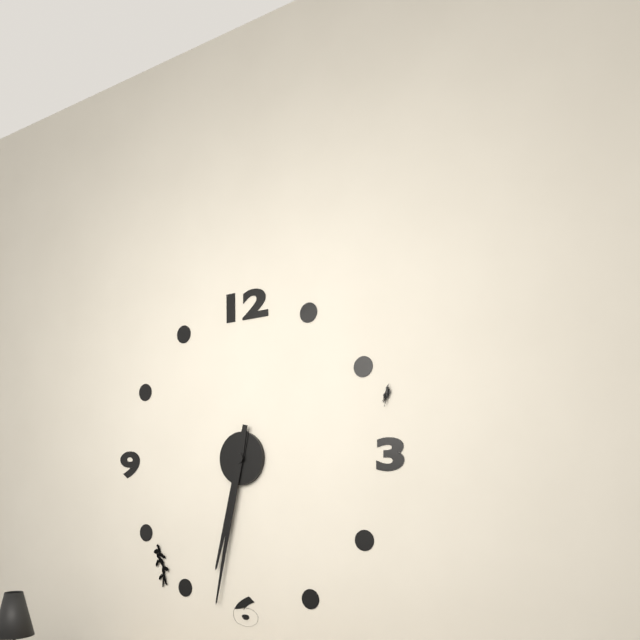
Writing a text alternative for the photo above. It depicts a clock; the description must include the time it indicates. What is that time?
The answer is 6:32
